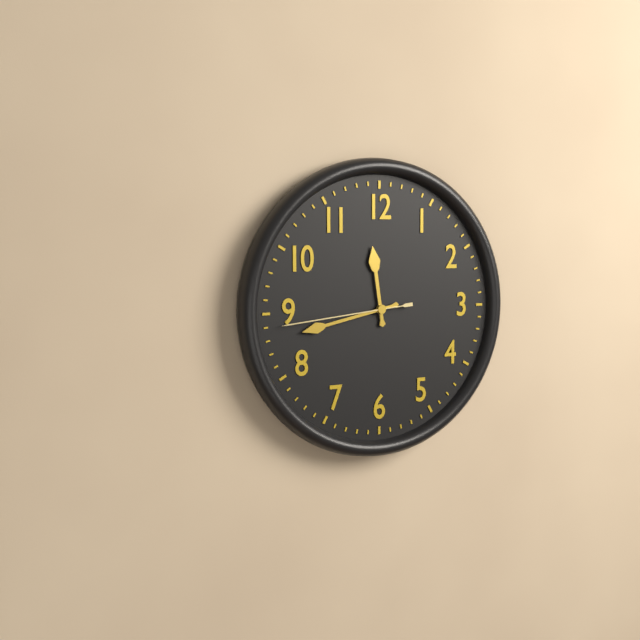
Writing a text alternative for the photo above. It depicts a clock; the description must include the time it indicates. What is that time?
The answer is 11:43:44
